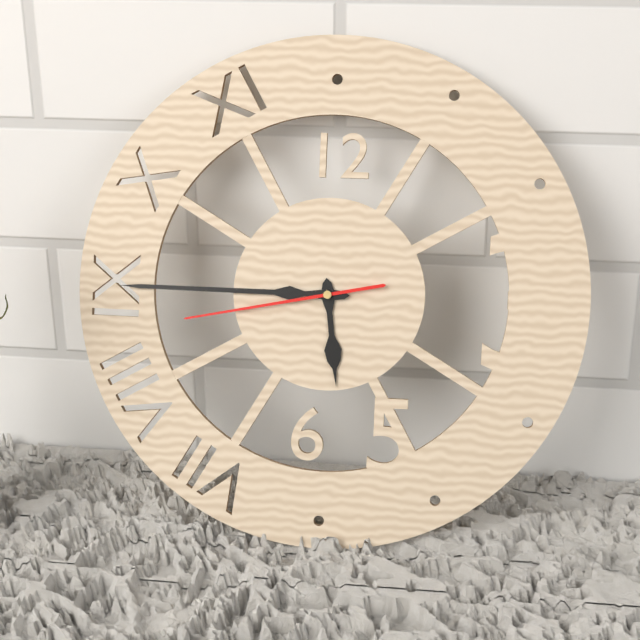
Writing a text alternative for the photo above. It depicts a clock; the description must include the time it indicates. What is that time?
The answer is 5:45:43
